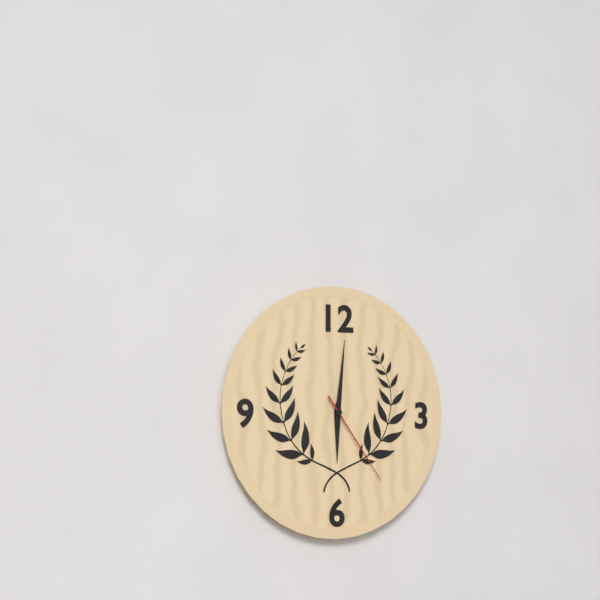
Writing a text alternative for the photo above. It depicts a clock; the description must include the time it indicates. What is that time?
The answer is 6:01:24
